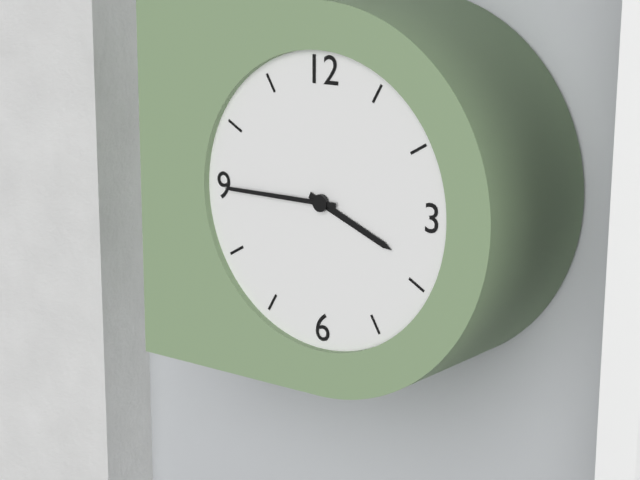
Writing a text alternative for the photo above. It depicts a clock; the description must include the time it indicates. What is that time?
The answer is 3:45
